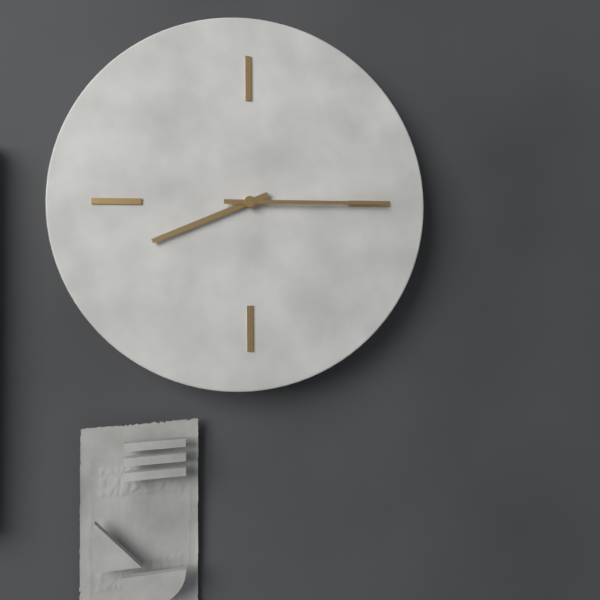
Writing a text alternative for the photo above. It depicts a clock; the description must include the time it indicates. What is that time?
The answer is 8:15
